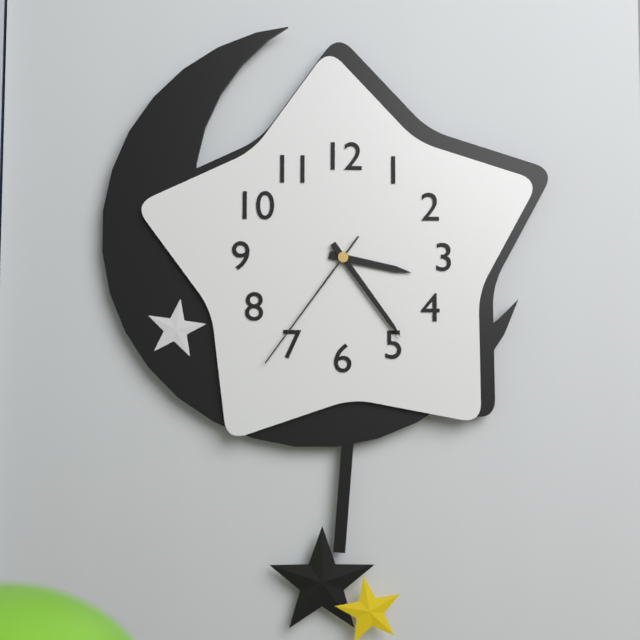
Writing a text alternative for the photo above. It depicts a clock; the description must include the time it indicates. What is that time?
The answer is 3:24:36
